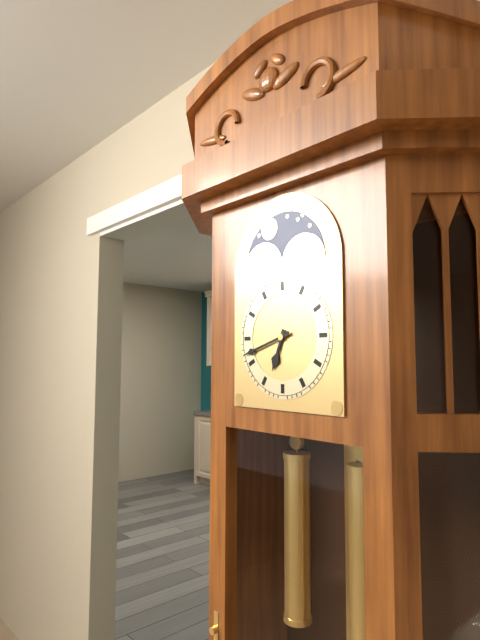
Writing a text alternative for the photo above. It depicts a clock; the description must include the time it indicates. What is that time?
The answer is 6:42
